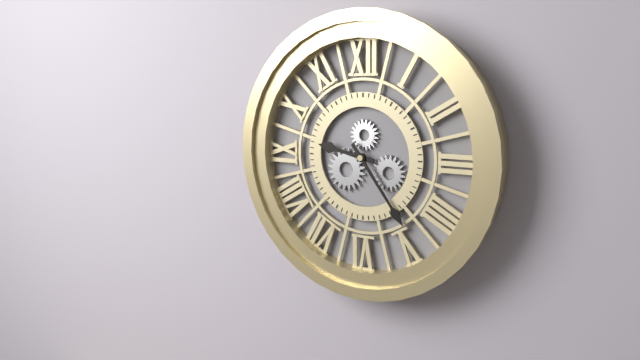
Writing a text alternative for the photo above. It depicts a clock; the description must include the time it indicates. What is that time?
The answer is 9:24
